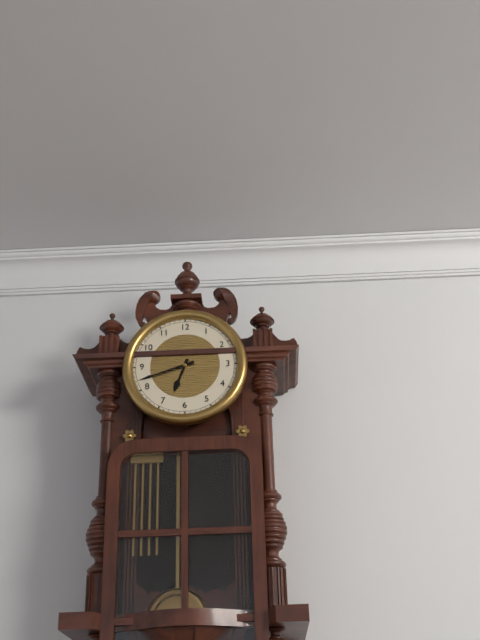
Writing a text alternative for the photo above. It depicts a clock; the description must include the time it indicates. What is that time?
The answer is 6:42
